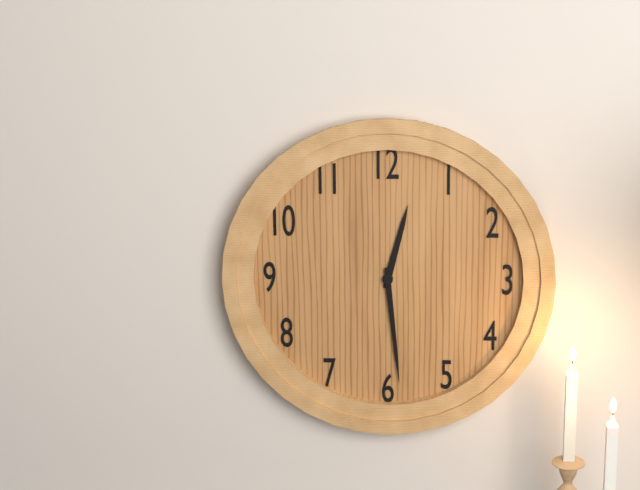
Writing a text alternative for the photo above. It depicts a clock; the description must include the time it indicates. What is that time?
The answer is 12:29
